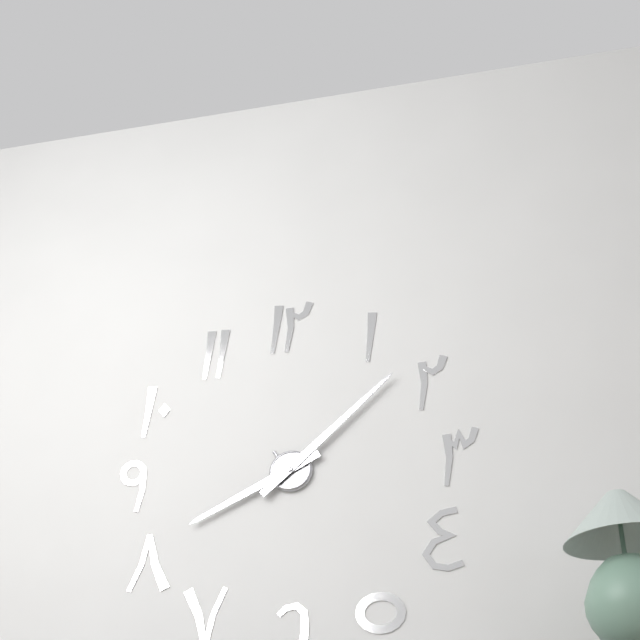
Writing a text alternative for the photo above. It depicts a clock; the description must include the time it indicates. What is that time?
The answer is 8:08
